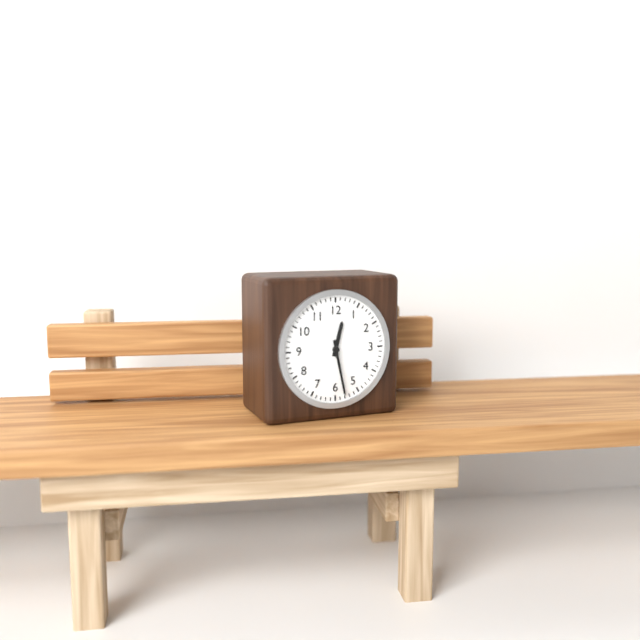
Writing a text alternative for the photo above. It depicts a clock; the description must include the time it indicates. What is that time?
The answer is 12:28
